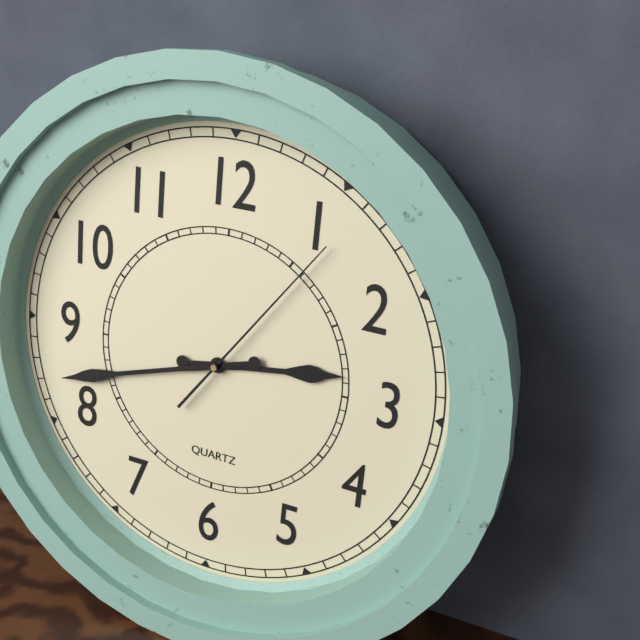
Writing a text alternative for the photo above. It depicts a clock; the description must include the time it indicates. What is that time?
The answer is 2:42:06
